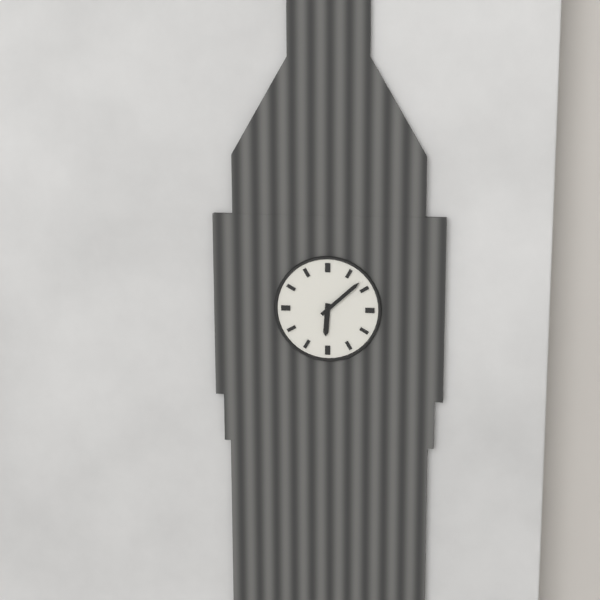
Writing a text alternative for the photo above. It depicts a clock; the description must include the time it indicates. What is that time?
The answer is 6:08
